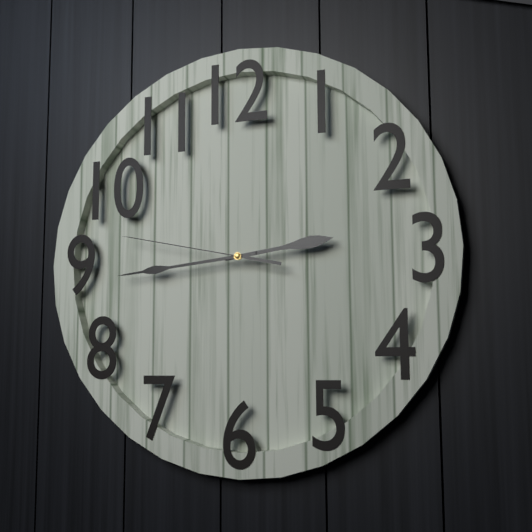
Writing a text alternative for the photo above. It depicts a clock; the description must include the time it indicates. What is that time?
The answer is 2:44:47
